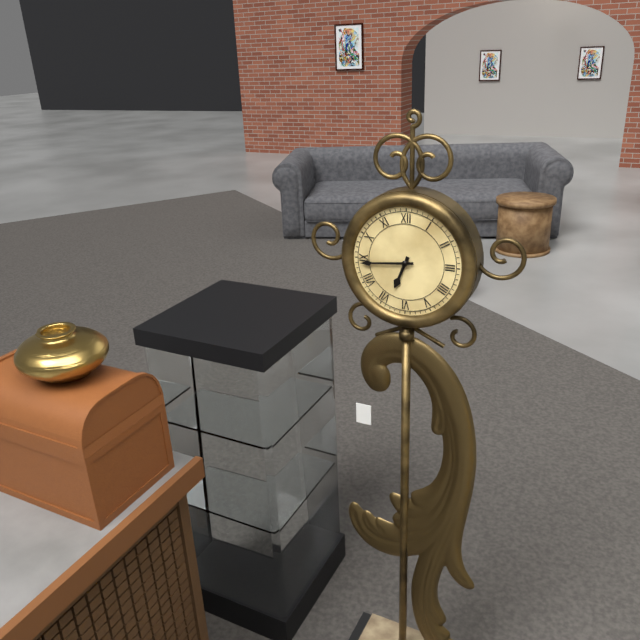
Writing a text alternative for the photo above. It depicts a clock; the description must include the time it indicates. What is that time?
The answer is 6:44
